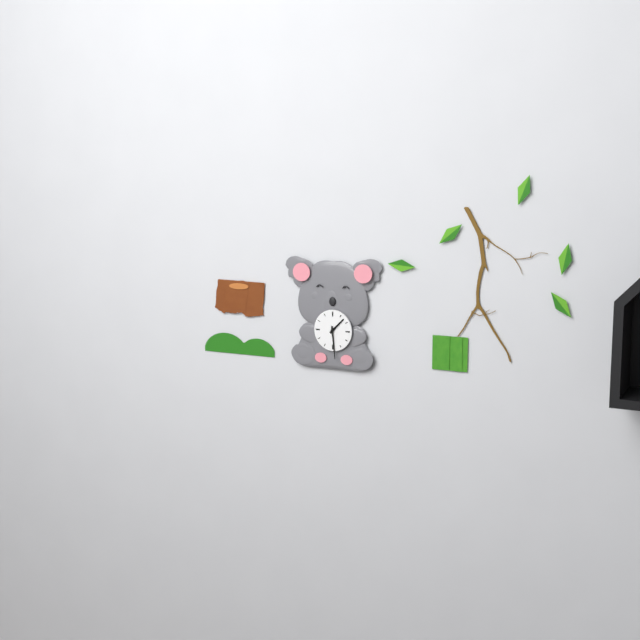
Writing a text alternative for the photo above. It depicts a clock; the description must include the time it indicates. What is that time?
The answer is 1:29
